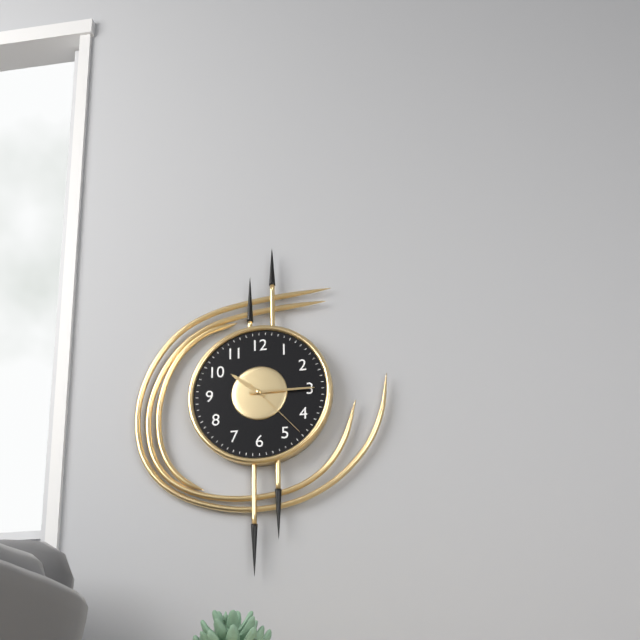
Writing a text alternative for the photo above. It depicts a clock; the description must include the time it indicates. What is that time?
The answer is 10:15:23
